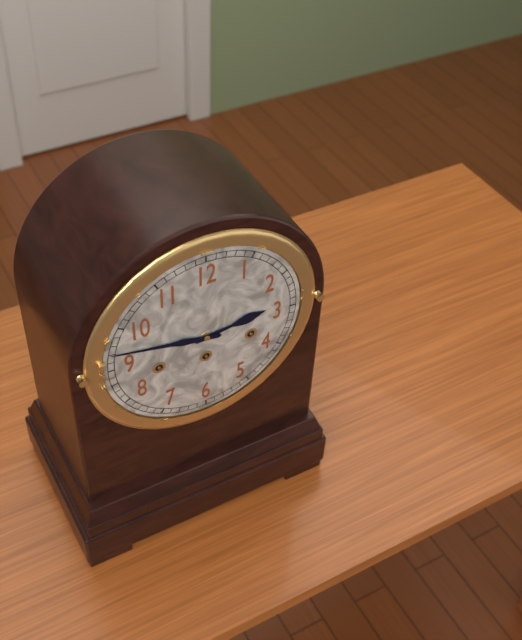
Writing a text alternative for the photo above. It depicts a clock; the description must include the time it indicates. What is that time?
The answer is 2:47
